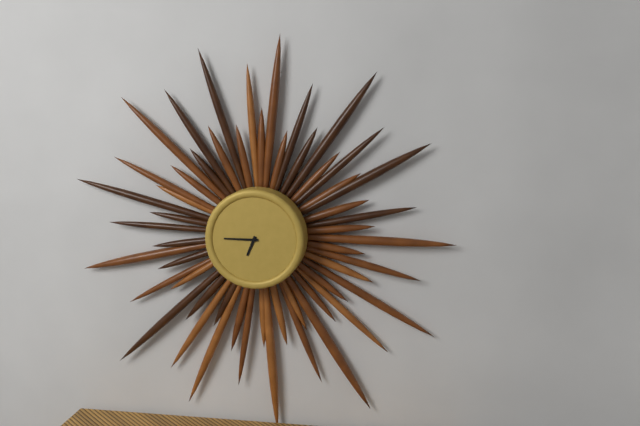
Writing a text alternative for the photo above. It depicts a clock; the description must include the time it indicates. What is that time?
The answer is 6:45
